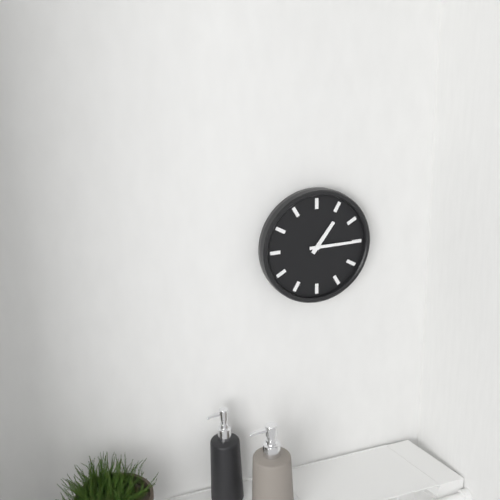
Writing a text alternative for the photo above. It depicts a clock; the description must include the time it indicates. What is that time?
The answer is 1:15
